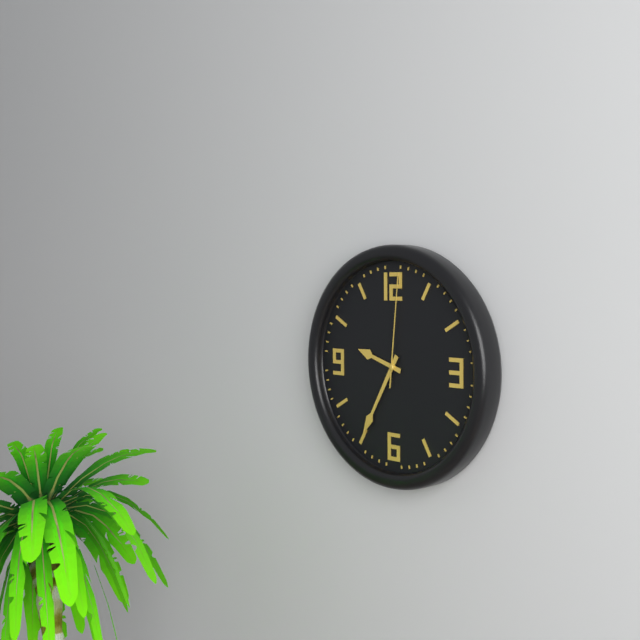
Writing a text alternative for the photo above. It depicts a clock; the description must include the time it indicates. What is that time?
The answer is 9:35:01
